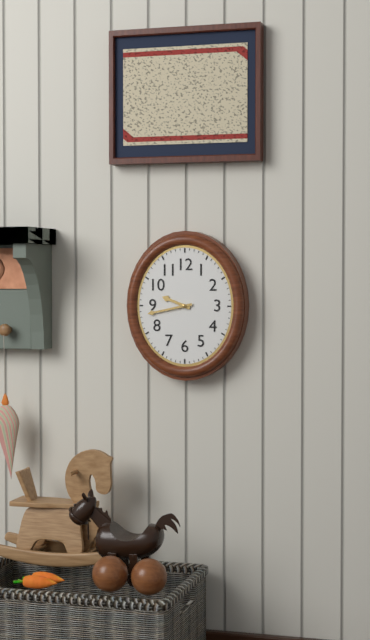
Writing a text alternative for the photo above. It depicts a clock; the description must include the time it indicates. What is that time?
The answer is 9:43
